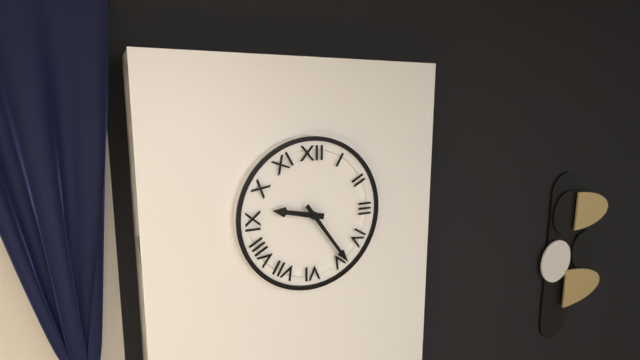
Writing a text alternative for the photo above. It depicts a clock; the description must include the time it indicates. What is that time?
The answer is 9:24
